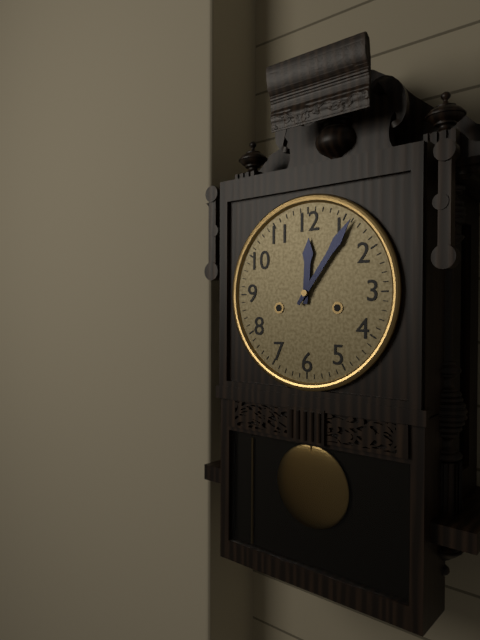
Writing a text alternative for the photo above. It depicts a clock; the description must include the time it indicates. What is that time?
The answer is 12:06
